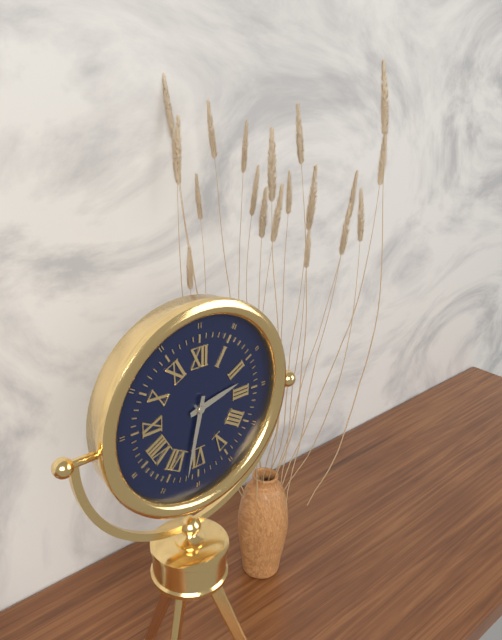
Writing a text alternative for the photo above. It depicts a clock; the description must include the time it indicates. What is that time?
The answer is 2:32
